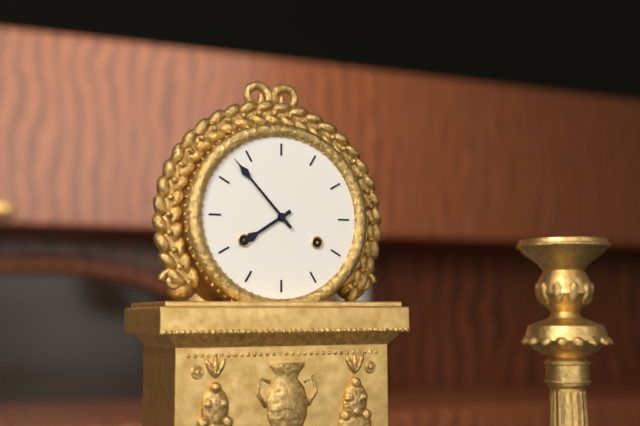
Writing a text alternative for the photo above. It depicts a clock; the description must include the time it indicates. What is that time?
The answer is 7:53
